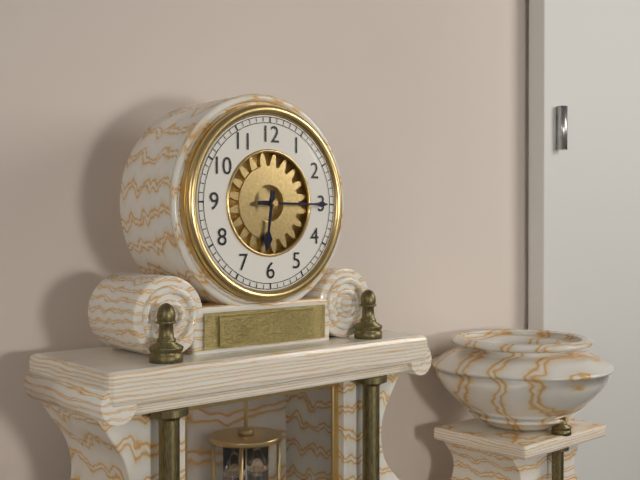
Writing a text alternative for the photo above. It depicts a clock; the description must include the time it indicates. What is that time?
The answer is 6:15
